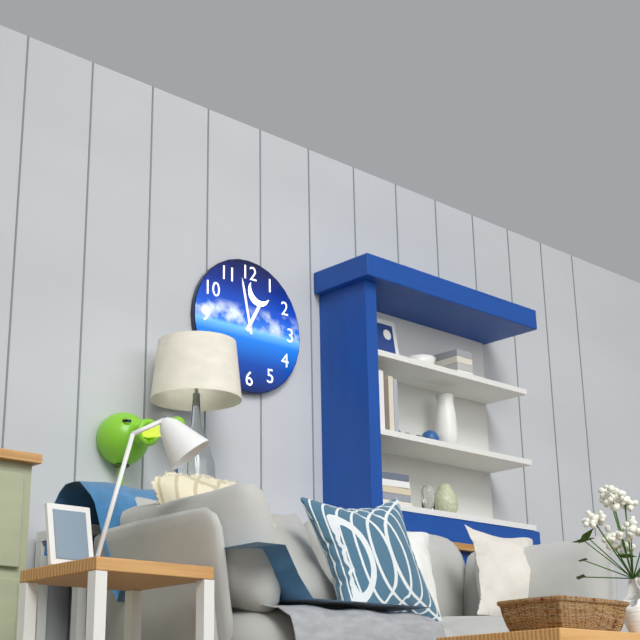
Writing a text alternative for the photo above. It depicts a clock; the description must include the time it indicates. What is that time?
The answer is 12:58
